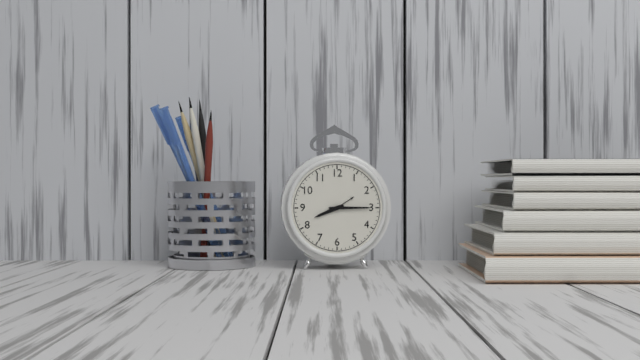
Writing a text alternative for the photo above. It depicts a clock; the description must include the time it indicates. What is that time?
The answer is 8:15
